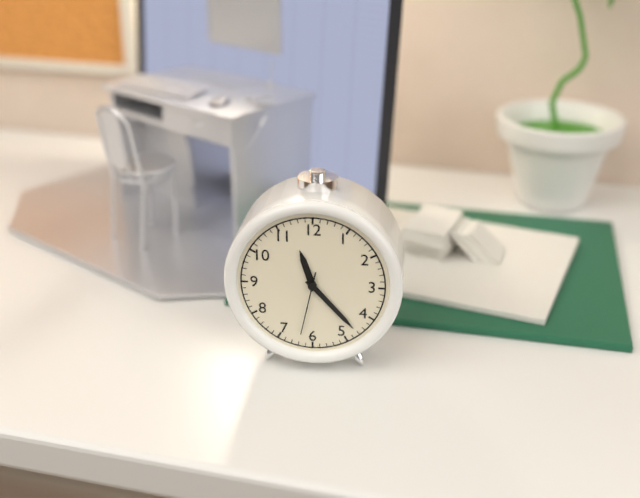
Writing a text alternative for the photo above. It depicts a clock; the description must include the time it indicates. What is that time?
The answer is 11:23:32
